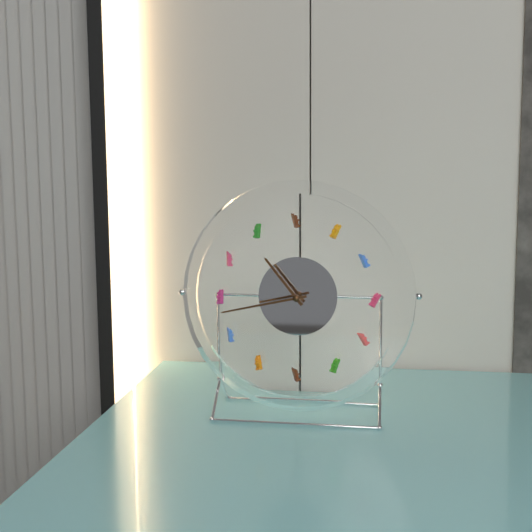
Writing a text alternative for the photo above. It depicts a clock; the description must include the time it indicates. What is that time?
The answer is 10:43
